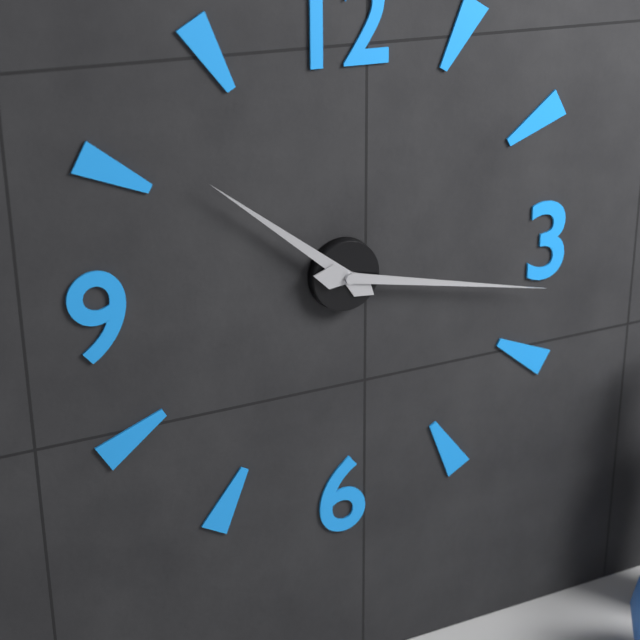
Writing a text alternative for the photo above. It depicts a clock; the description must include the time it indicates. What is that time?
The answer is 10:17
